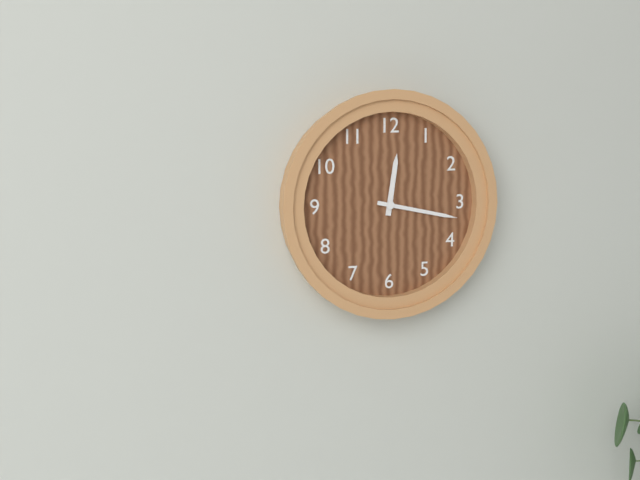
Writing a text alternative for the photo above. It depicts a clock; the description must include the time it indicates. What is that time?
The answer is 12:17
